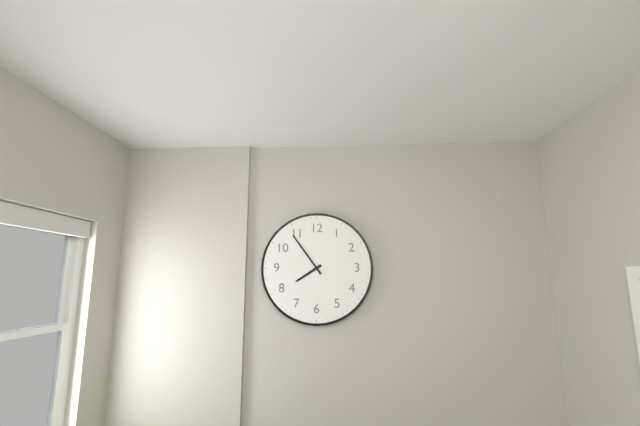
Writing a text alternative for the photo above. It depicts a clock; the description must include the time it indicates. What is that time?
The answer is 7:54
